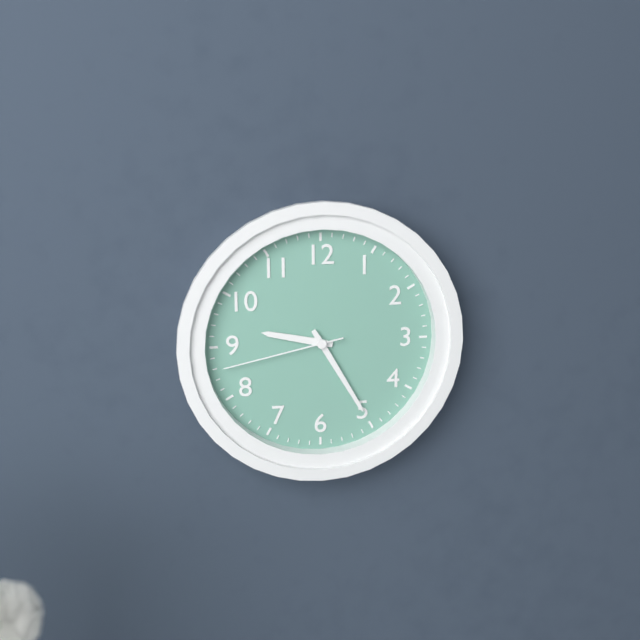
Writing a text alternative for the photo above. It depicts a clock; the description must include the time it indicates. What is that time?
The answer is 9:25:43
